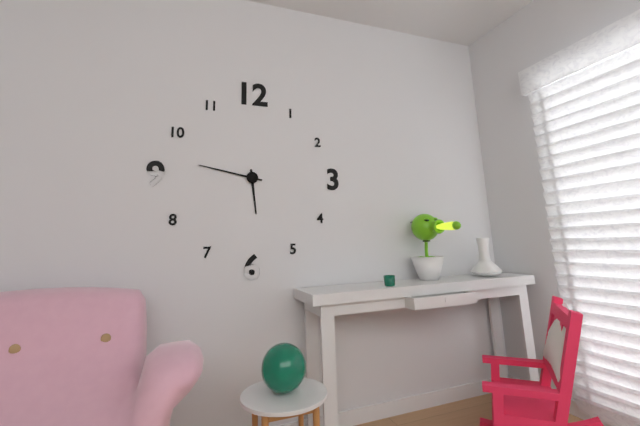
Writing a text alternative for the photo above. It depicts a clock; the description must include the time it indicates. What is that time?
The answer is 5:47
